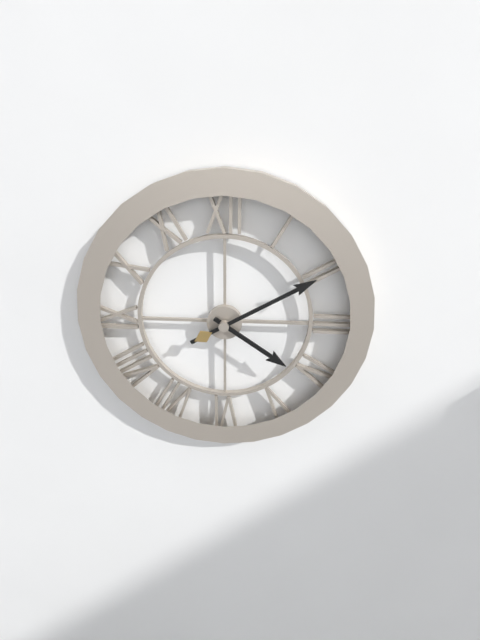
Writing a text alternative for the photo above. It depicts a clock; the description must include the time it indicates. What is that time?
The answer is 4:10
